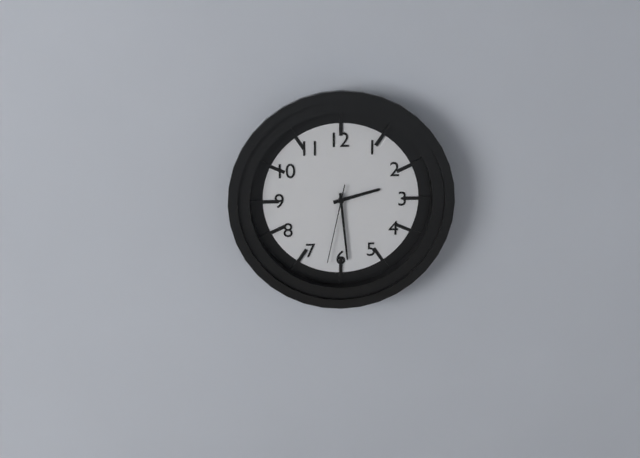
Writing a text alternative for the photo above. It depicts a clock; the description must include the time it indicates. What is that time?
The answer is 2:29:32
